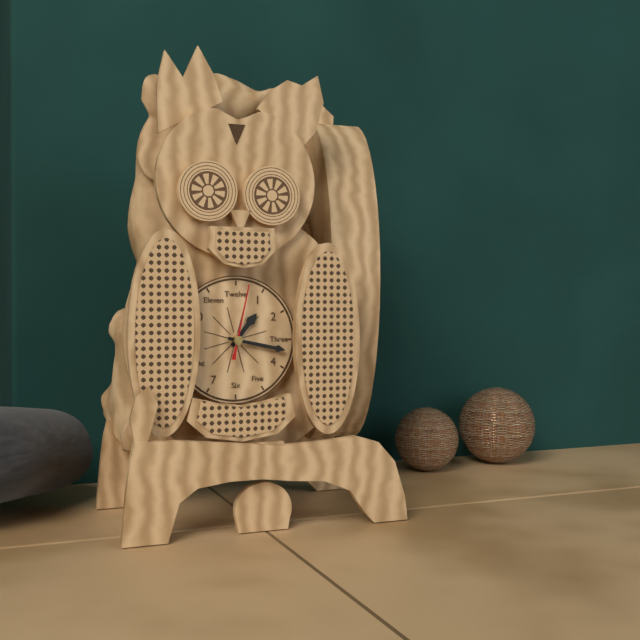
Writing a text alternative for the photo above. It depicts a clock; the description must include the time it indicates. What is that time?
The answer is 1:17:02
